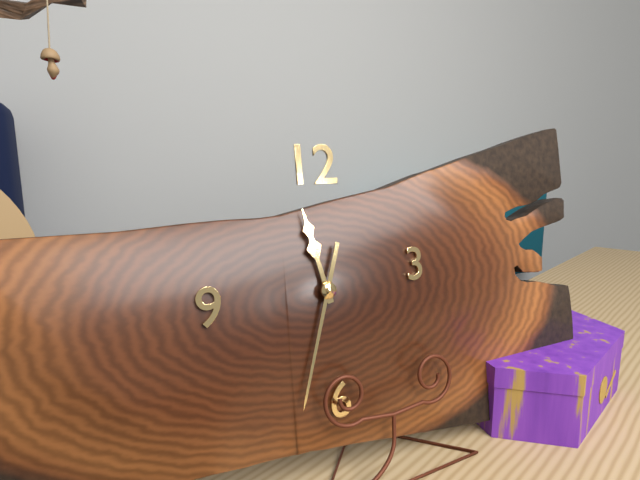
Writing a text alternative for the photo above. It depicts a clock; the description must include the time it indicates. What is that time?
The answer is 11:33
